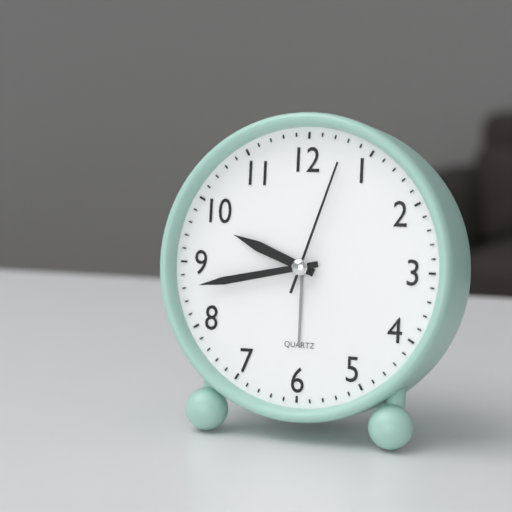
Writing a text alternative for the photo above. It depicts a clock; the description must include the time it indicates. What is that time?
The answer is 9:43:03
